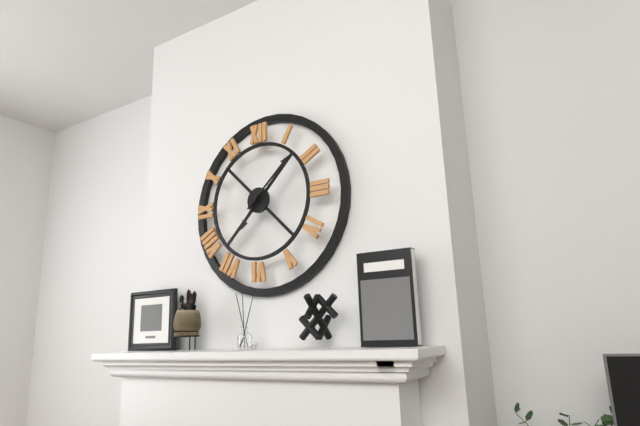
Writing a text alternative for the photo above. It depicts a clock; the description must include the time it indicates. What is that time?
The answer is 7:08
